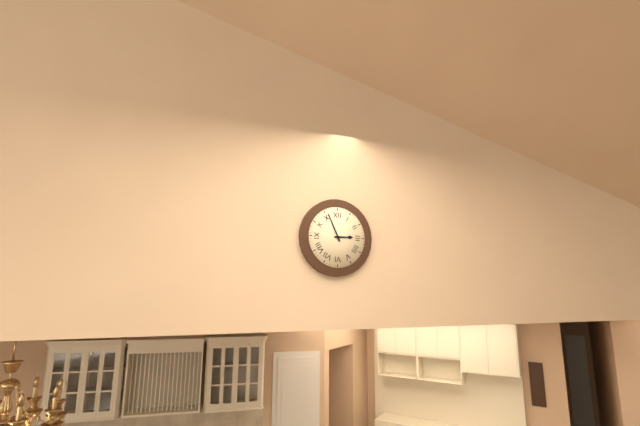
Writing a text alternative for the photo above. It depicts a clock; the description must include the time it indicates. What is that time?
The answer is 2:56
